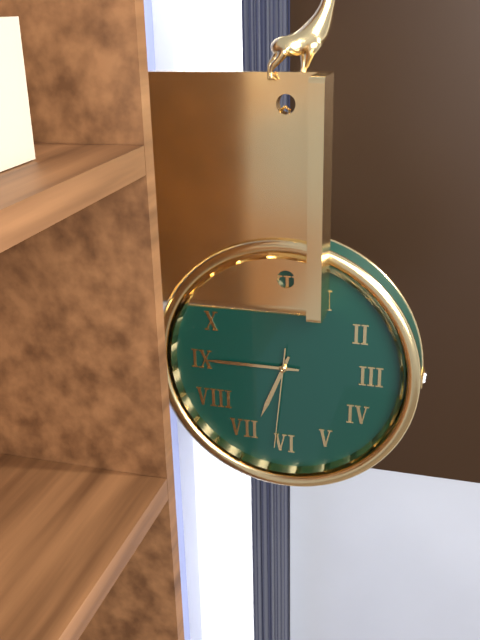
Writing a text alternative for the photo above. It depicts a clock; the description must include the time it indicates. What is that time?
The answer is 6:45:31
